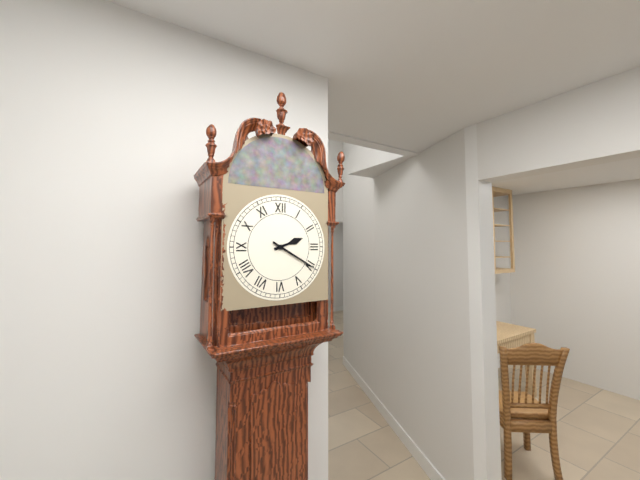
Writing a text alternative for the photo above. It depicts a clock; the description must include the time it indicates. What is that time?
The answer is 2:20
